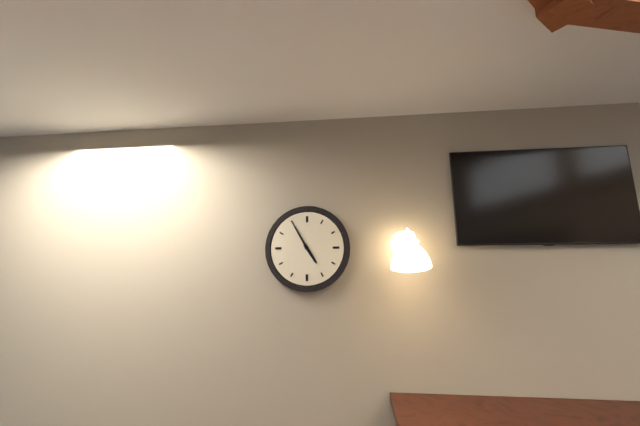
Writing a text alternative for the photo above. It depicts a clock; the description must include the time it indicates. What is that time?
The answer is 4:55
